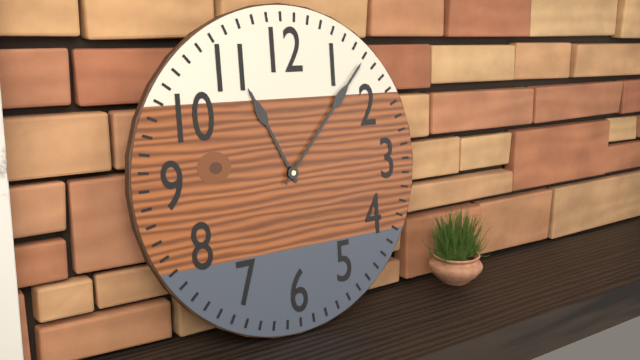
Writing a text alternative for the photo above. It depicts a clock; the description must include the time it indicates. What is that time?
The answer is 11:07
